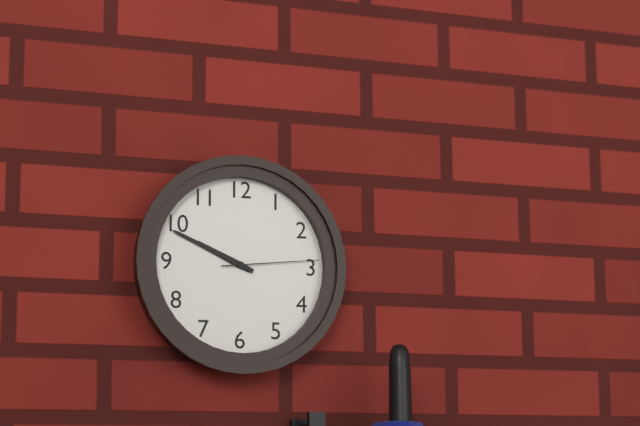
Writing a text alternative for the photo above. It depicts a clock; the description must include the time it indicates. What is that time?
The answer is 9:49:14
